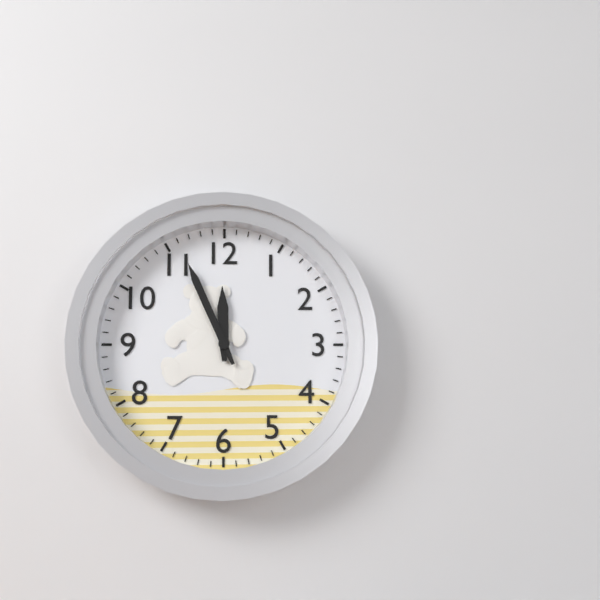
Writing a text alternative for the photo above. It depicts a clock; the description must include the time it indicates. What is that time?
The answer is 11:56
